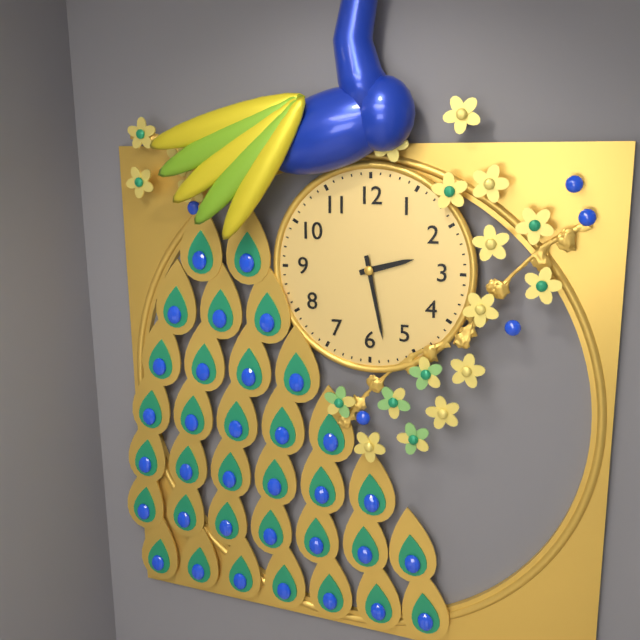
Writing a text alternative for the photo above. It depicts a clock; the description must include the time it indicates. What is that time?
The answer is 2:28
